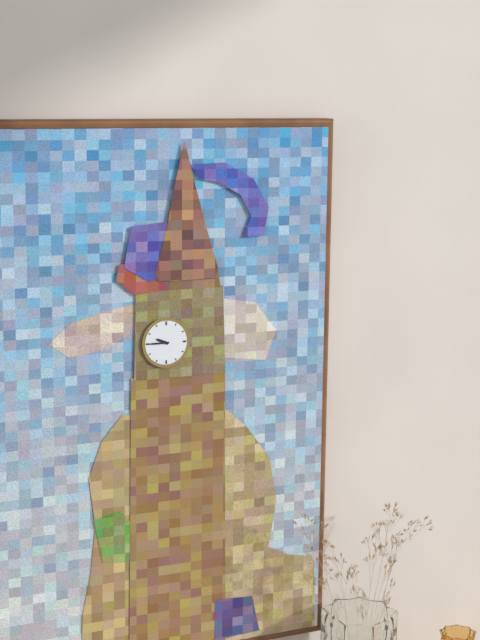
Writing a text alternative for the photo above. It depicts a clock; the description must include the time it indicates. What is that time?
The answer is 9:45
